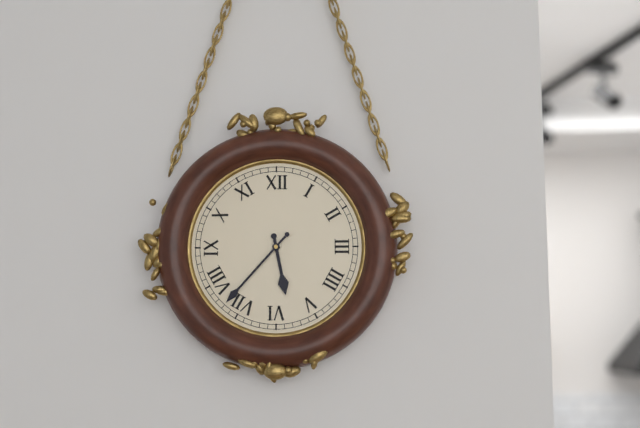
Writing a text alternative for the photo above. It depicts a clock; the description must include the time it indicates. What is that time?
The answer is 5:37
